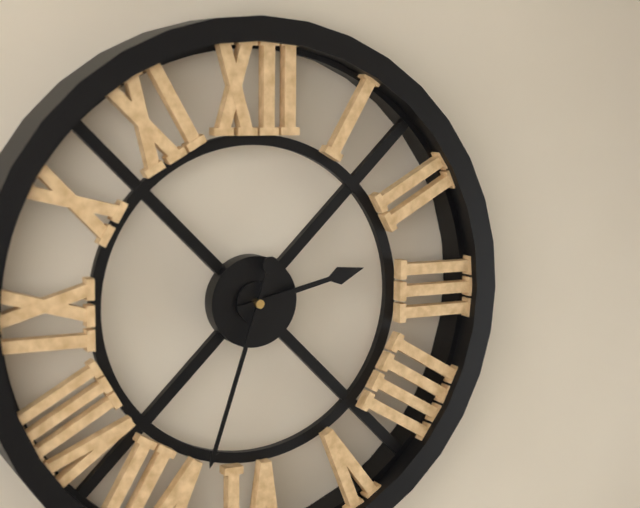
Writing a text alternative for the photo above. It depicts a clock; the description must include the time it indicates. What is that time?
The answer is 2:33
